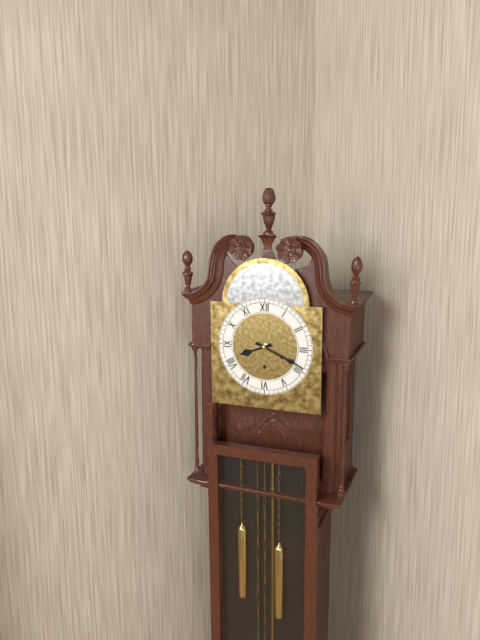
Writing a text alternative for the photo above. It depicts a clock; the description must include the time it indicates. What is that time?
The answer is 8:19
